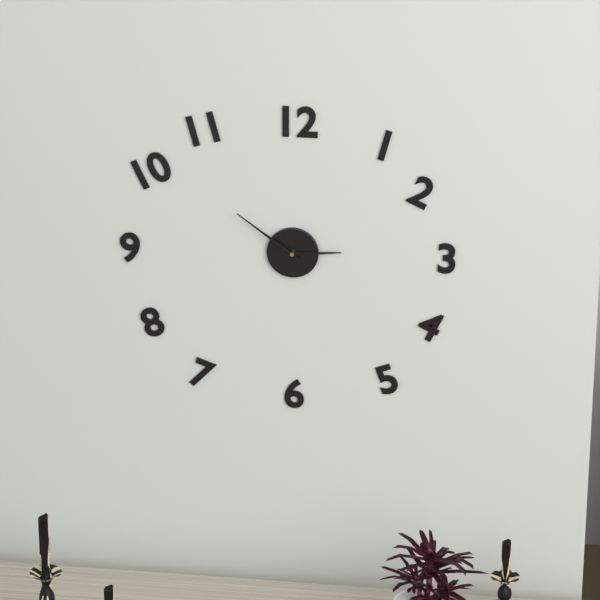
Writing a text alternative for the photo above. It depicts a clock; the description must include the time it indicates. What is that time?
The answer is 2:51
